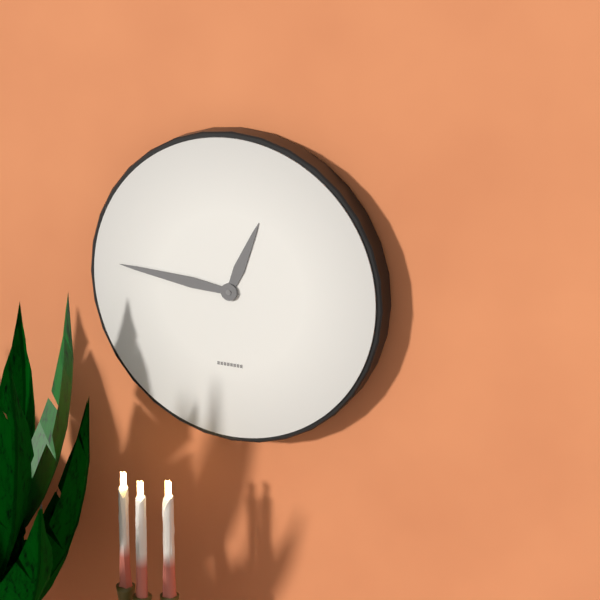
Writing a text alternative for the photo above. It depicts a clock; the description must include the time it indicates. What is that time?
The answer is 12:46
